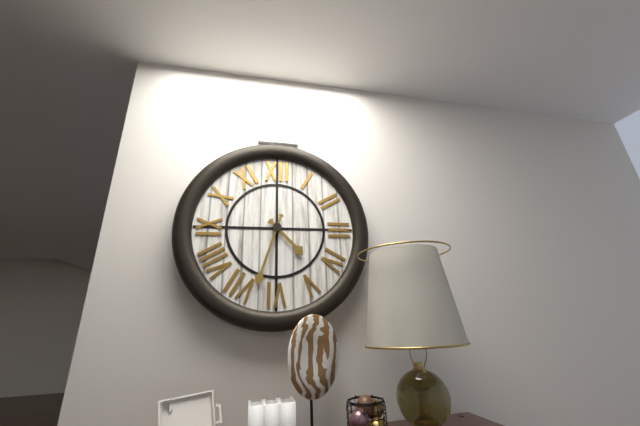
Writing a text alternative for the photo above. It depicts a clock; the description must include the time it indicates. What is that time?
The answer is 4:33
